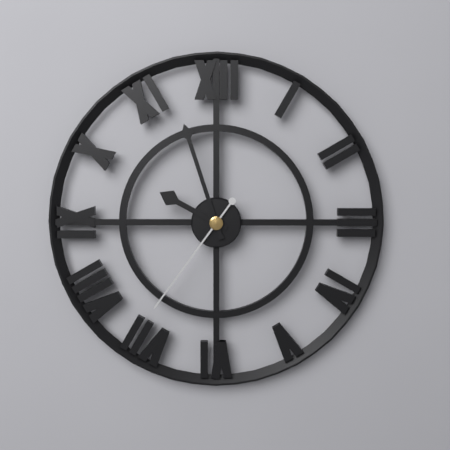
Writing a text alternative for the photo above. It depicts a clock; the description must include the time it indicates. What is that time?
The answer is 9:57:36
